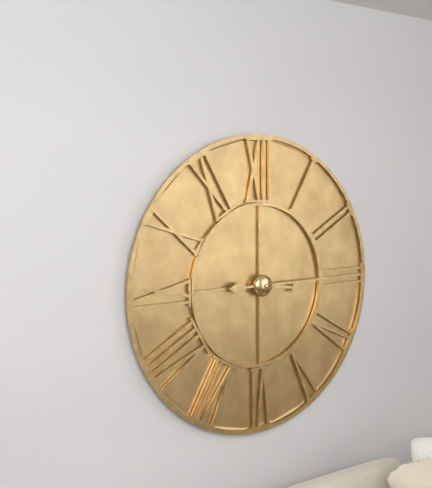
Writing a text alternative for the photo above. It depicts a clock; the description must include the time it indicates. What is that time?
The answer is 3:15
